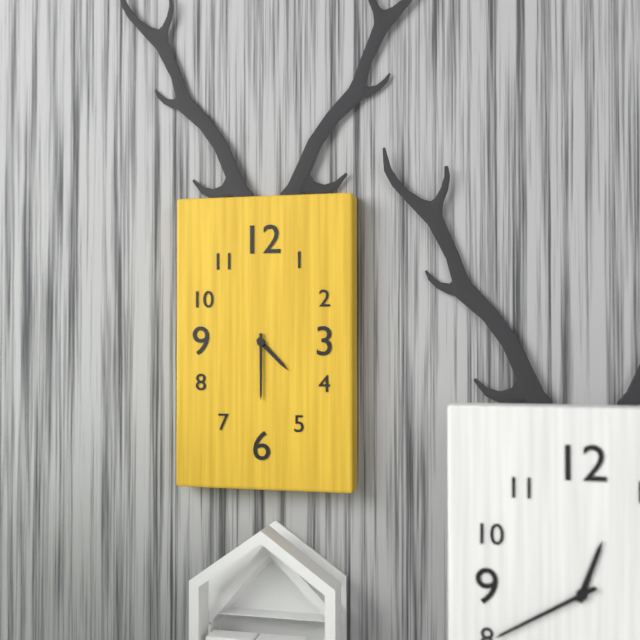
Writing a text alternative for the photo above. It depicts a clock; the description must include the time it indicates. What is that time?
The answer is 4:30
